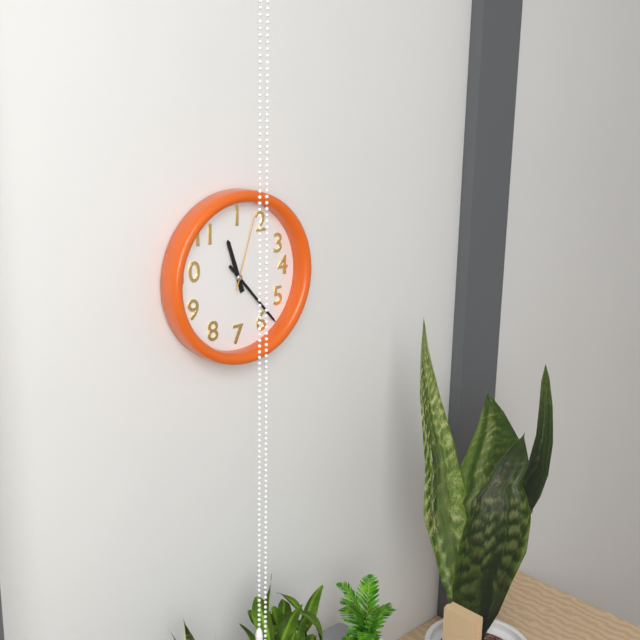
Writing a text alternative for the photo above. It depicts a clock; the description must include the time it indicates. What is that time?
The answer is 11:23:03
